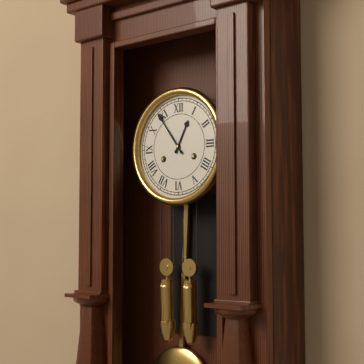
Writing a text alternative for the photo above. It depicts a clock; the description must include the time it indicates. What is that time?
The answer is 12:54
